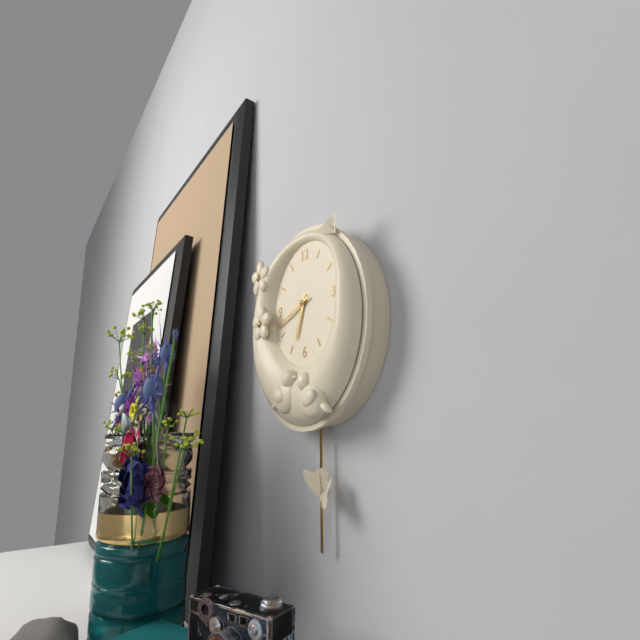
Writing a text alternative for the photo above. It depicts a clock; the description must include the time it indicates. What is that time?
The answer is 6:42
